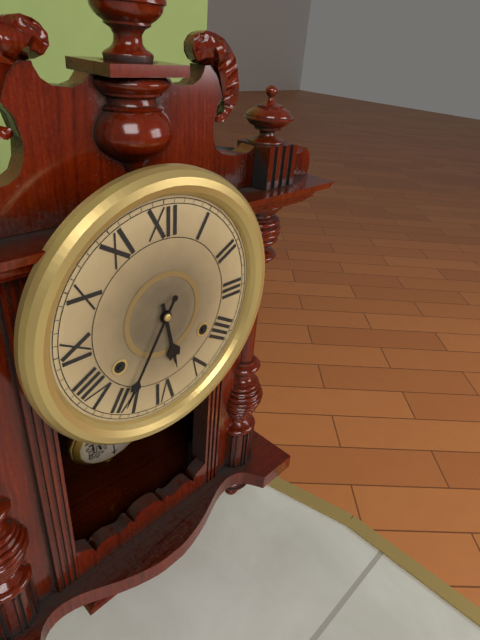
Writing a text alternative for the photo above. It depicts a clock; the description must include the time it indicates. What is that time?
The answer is 5:35
